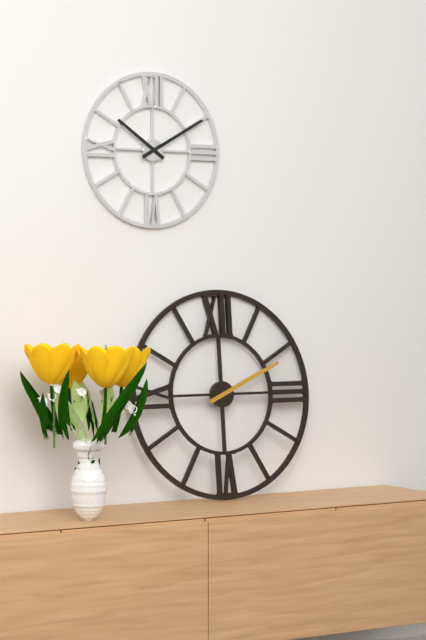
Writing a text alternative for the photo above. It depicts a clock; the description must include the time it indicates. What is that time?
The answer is 2:11
